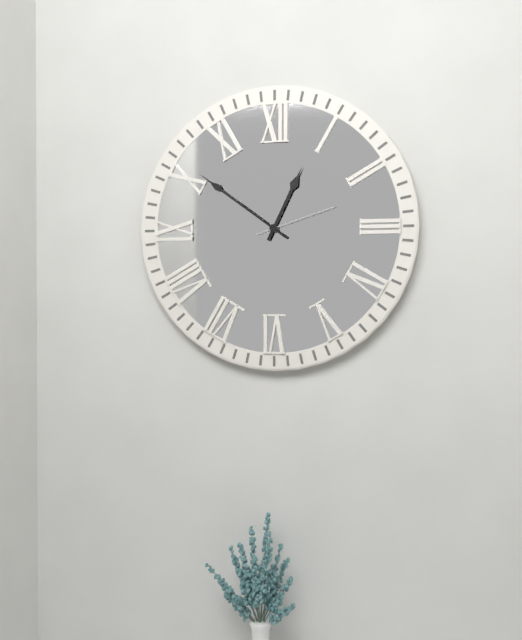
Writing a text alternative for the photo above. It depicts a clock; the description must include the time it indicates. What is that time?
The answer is 12:51:12
